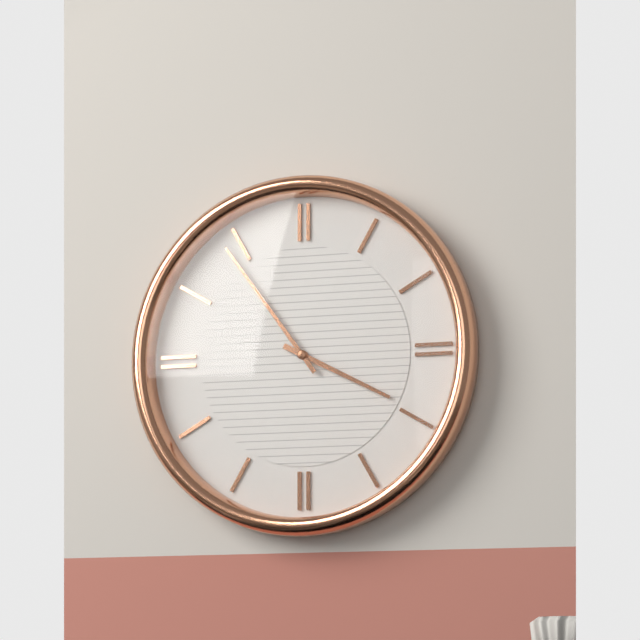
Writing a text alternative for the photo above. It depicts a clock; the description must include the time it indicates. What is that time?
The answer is 3:54
